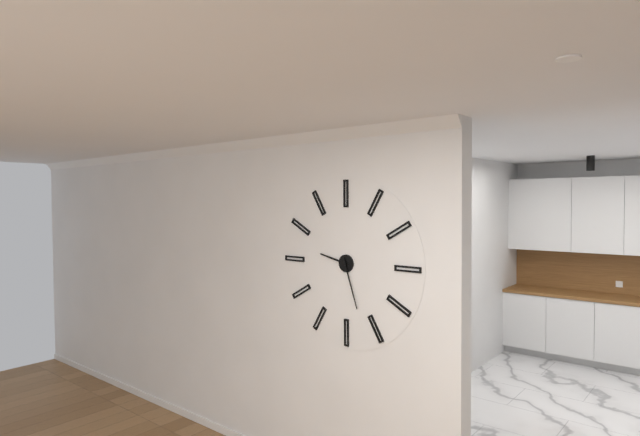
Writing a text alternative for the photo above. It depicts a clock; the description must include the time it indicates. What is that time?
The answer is 9:27
